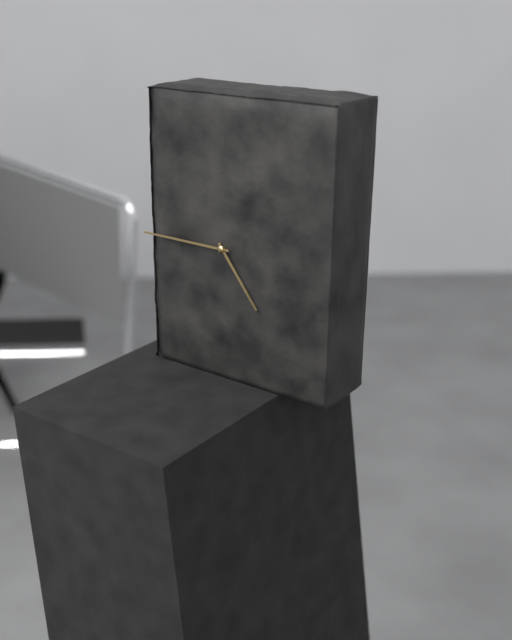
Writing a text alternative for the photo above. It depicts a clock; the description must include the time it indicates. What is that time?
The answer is 4:45
